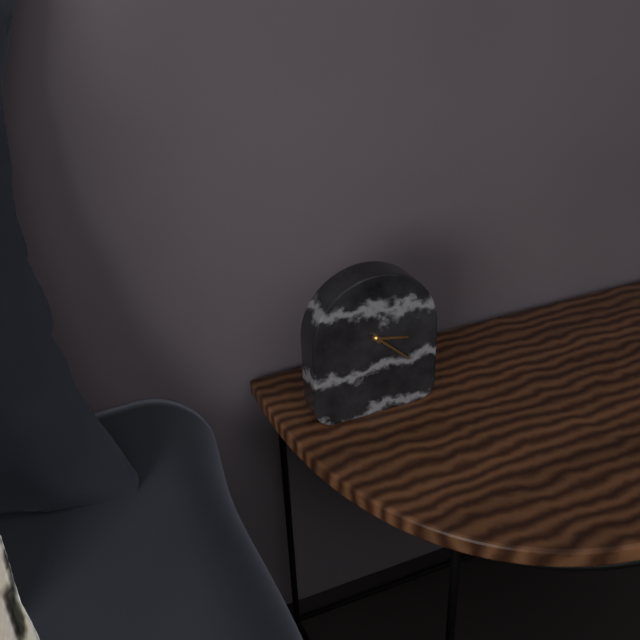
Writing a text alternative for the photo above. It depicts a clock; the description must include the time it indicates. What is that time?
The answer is 3:22
